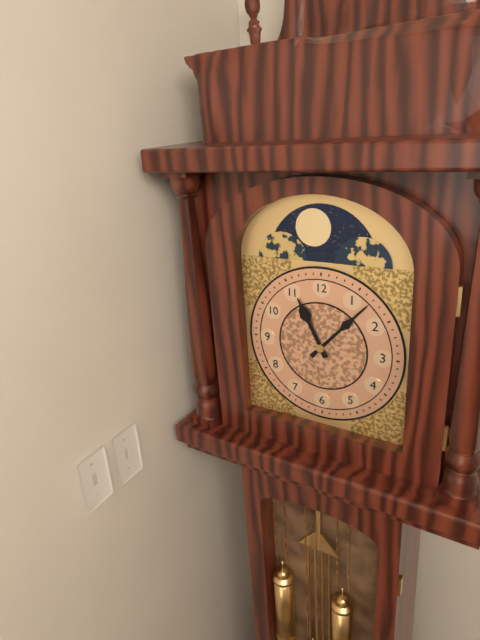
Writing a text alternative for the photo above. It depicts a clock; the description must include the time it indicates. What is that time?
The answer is 11:07
